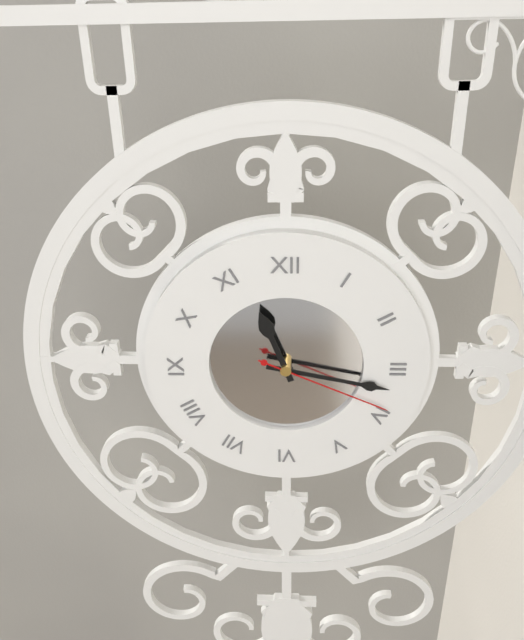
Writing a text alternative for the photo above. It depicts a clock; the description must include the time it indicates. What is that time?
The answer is 11:17:19
